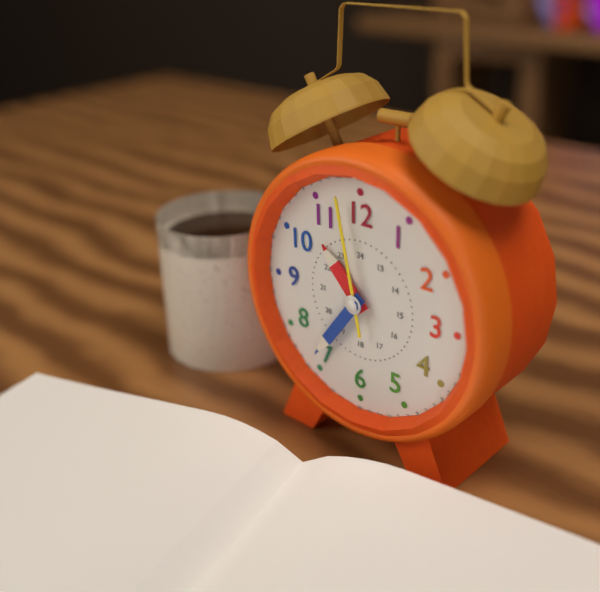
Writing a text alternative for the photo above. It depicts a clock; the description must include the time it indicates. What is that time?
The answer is 10:36:58
